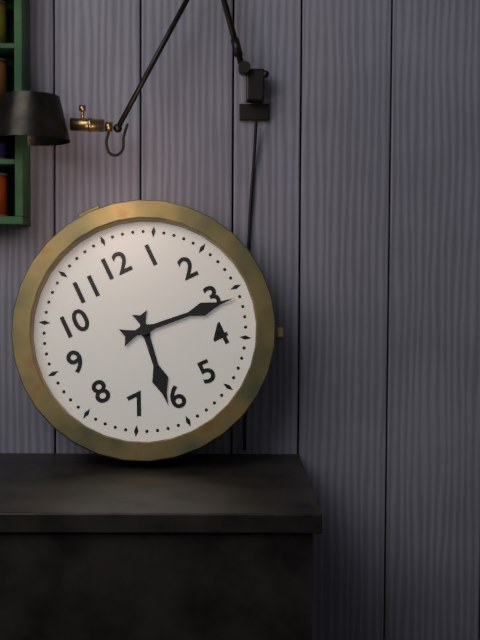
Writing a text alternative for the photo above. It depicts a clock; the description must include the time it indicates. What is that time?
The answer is 6:16
